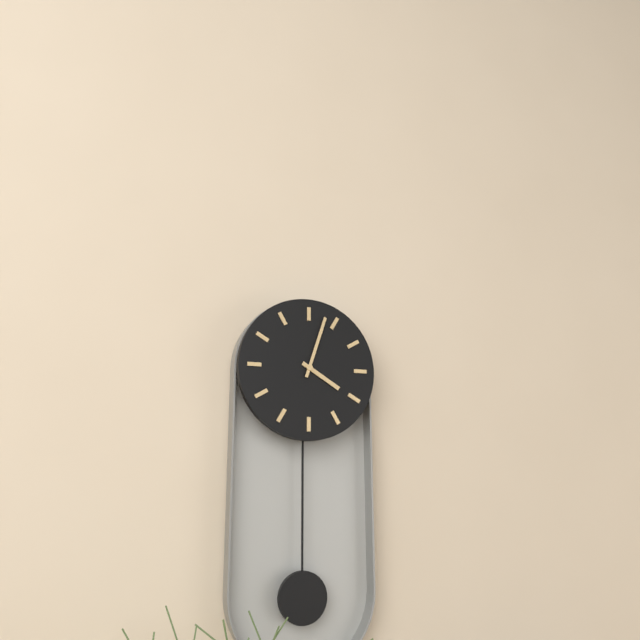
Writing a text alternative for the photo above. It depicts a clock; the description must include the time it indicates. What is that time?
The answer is 4:03
